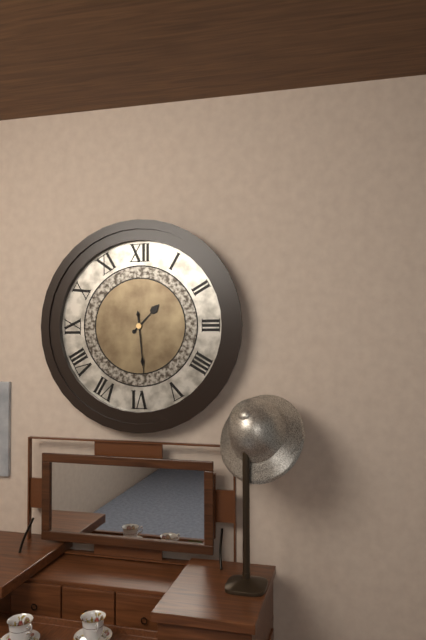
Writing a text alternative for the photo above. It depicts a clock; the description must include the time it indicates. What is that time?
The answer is 1:29
